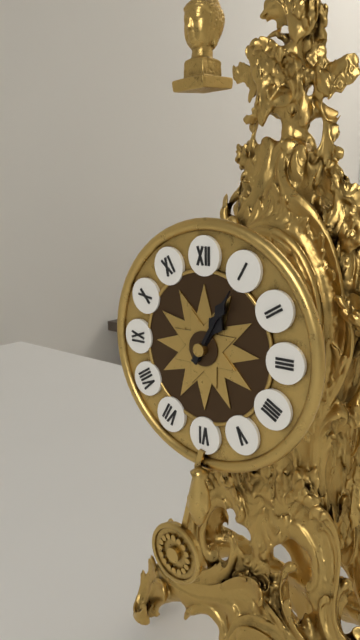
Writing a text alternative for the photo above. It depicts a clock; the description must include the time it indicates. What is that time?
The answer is 1:05
